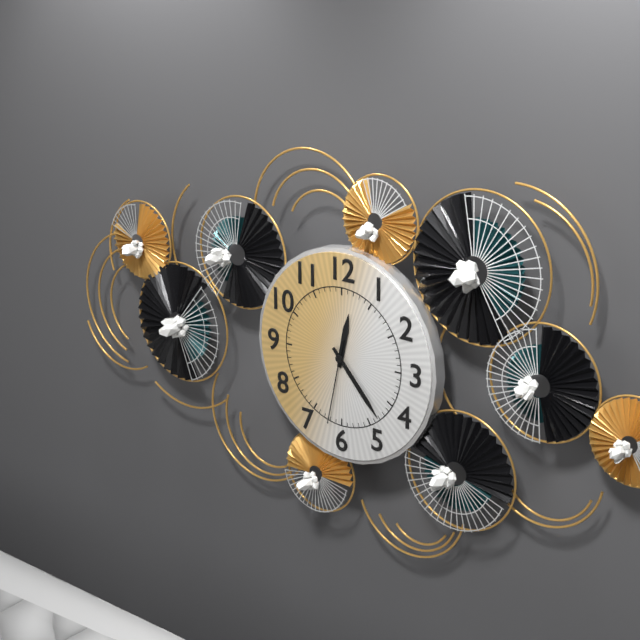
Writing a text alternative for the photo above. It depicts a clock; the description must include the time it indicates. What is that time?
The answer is 12:23:32
